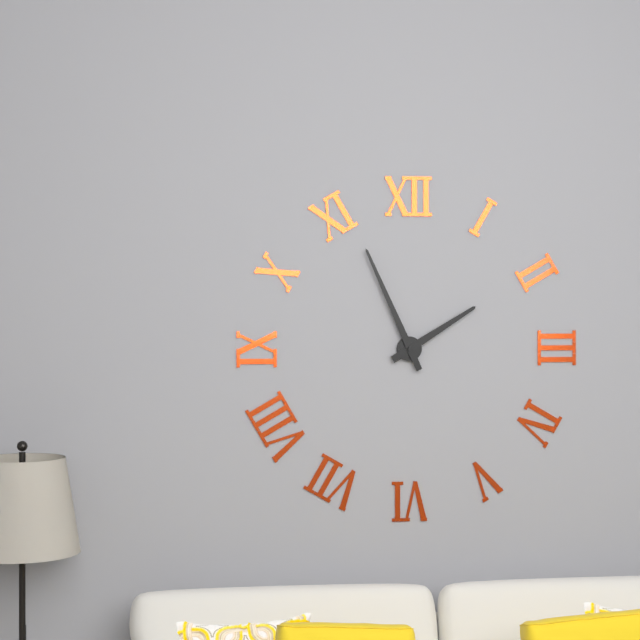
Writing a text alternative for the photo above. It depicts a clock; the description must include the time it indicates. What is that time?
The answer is 1:56
